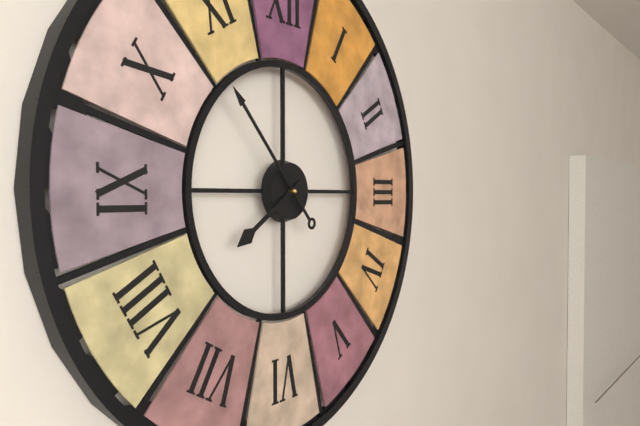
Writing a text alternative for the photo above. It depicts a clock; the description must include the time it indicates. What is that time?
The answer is 7:53
